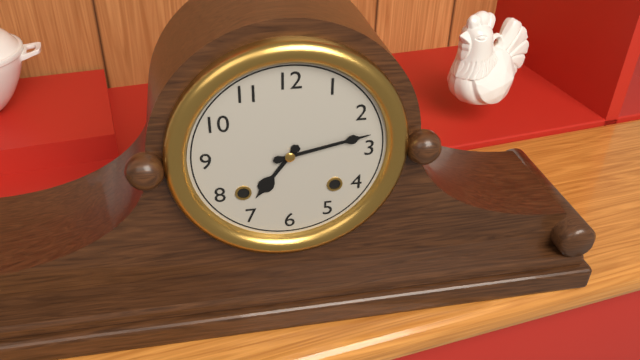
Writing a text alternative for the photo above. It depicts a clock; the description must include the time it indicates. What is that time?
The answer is 7:13
